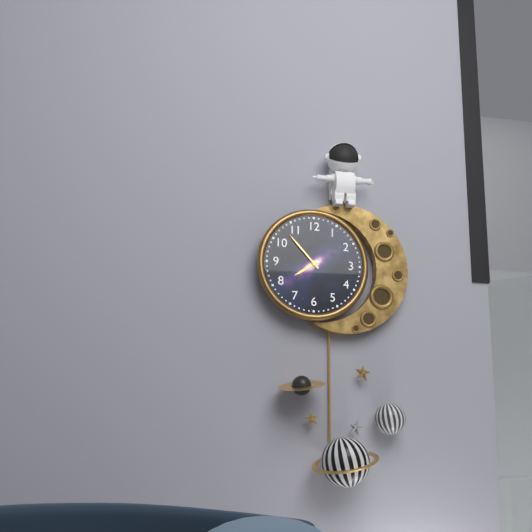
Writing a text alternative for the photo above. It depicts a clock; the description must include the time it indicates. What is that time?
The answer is 7:53
